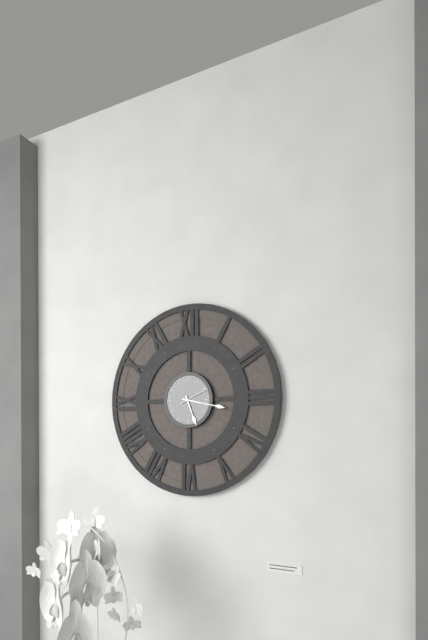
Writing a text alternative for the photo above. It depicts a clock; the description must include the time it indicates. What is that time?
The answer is 5:17
